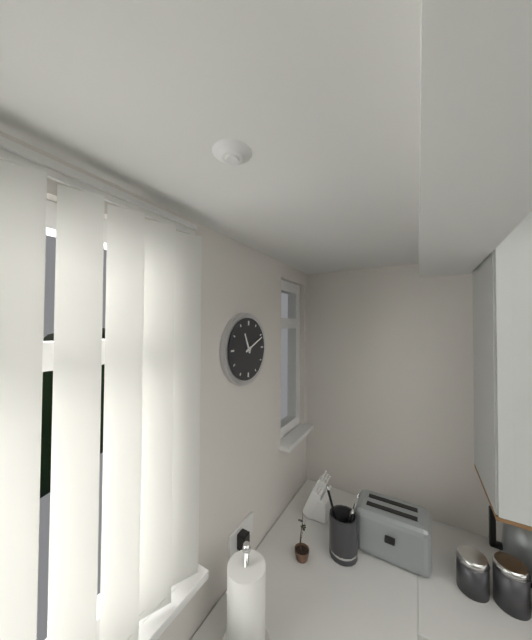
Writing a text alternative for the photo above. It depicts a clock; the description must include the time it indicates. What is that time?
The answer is 11:11
